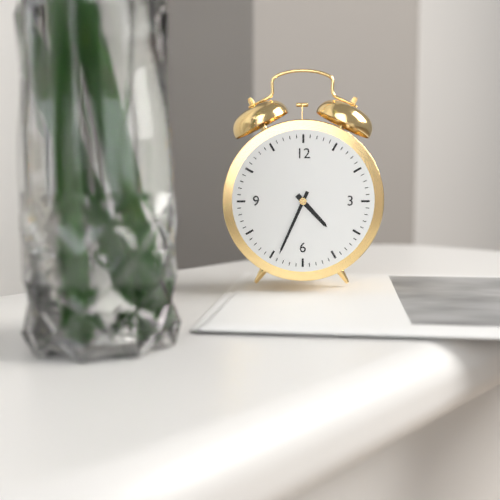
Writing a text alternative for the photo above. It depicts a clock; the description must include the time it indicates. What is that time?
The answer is 4:34
